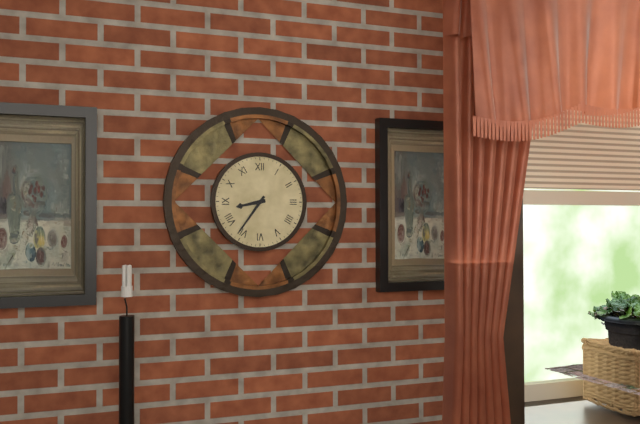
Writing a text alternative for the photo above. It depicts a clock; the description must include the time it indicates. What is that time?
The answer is 8:36
